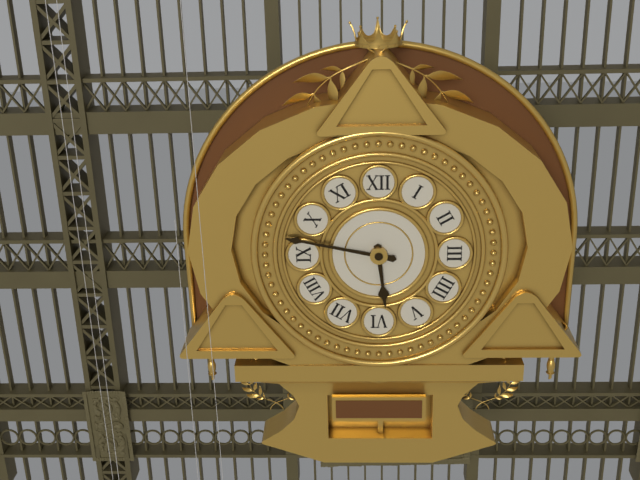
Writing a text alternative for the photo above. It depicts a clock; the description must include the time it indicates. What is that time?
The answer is 5:47
